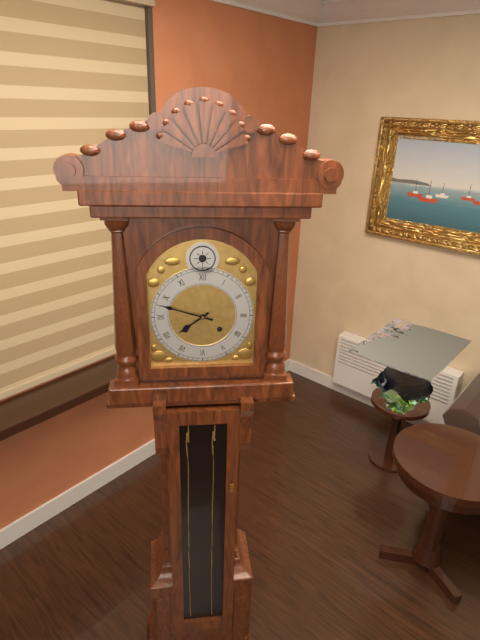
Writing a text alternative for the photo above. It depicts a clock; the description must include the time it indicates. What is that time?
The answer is 7:48
